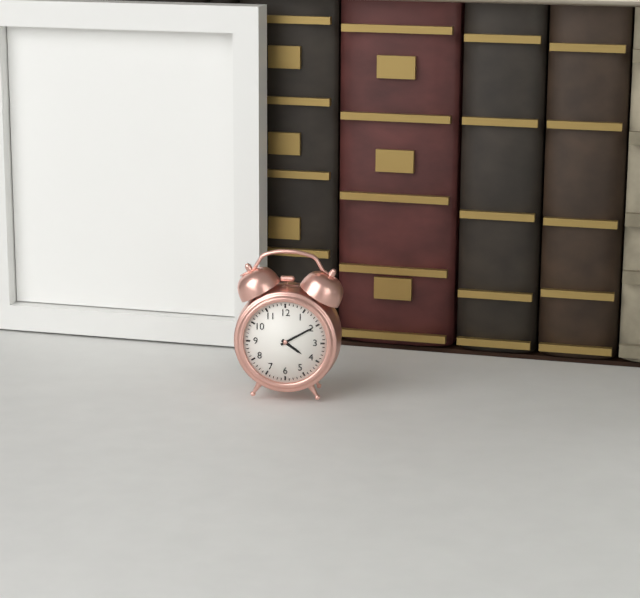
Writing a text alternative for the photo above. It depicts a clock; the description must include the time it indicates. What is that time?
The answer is 4:10
